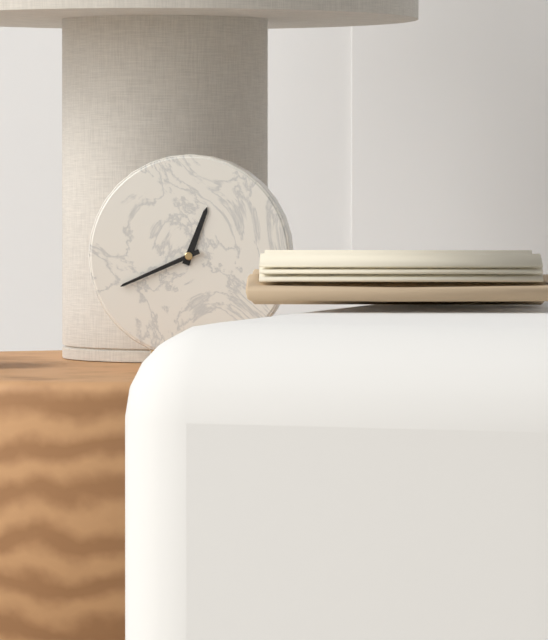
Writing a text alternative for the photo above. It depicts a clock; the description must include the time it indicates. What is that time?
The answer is 12:41
